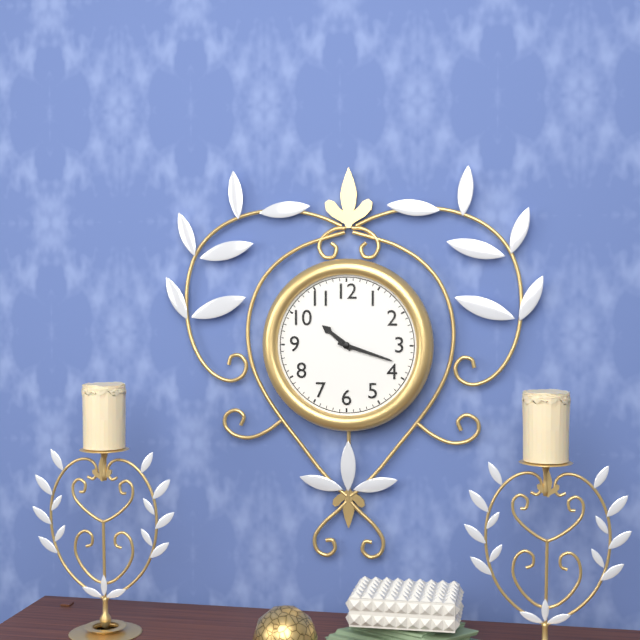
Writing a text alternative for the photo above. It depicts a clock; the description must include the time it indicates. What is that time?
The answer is 10:18
